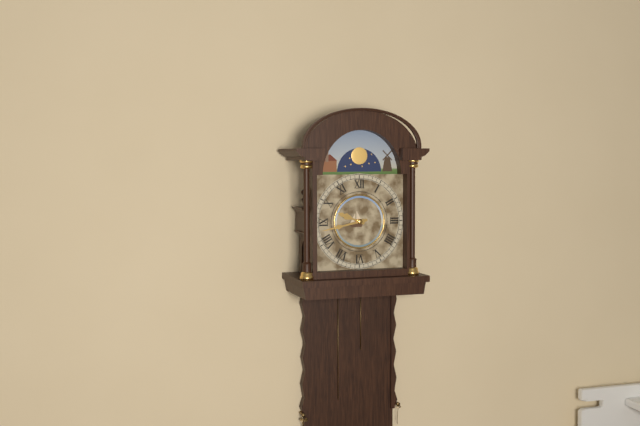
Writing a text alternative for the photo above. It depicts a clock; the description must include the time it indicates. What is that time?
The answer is 9:43
